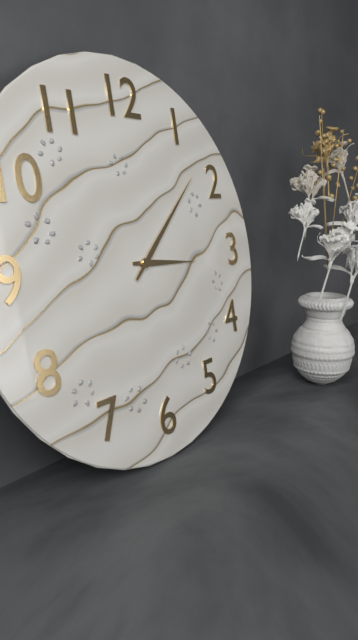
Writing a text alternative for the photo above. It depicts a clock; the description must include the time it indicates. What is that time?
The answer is 3:08
